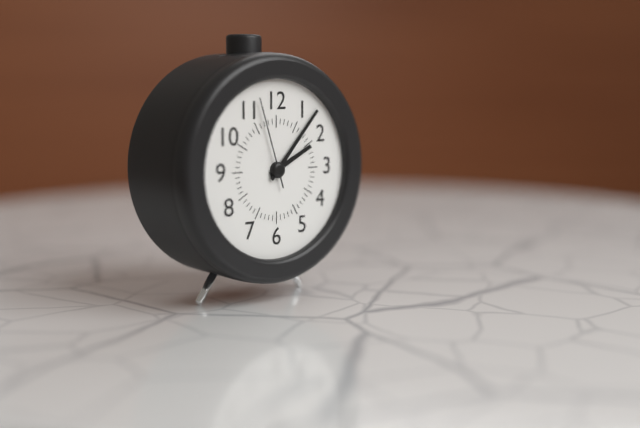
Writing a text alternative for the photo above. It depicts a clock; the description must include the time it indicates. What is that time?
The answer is 2:07:57
